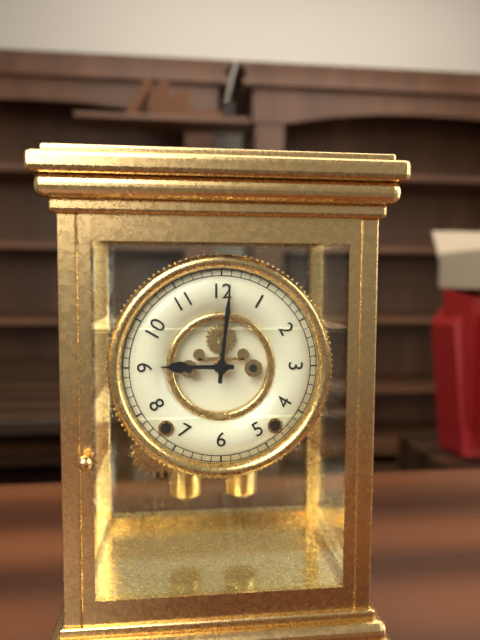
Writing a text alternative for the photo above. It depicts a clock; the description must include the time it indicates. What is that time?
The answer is 9:01
